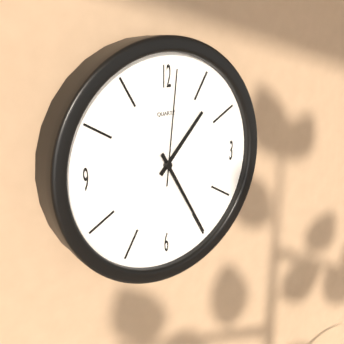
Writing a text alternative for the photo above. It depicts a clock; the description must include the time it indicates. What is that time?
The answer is 1:25:01
